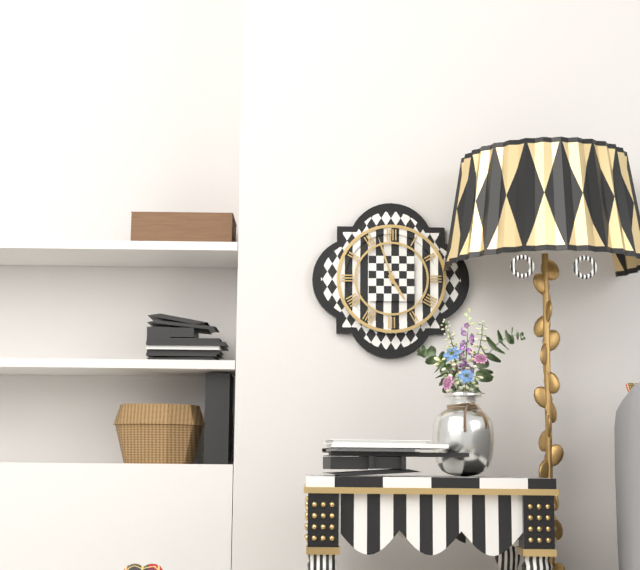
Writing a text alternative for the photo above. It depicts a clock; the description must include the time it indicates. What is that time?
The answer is 4:57
